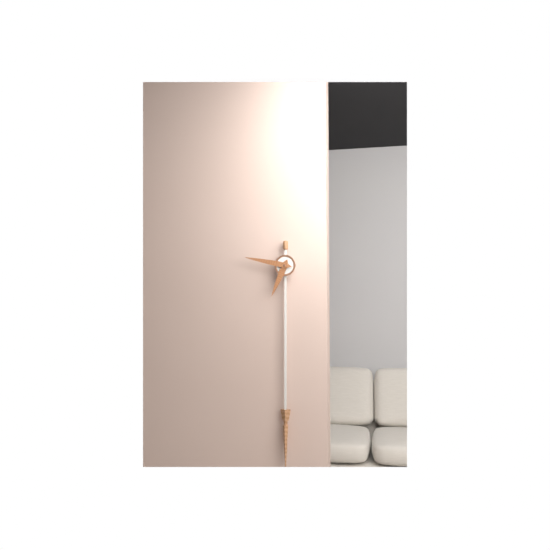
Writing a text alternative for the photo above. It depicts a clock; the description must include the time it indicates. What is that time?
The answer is 6:47
